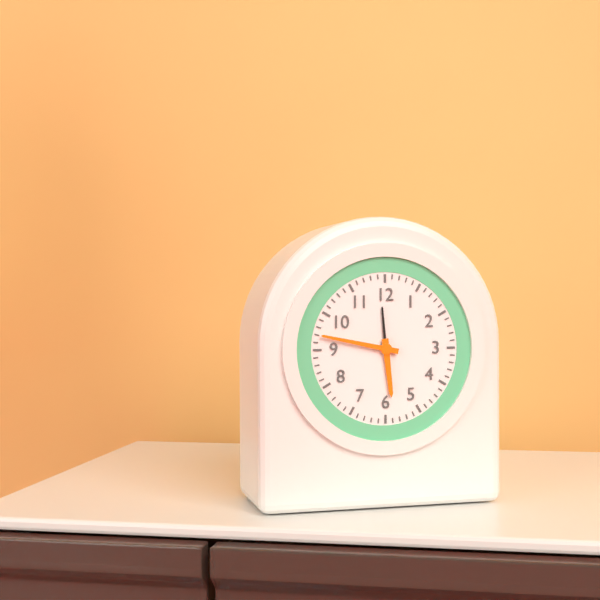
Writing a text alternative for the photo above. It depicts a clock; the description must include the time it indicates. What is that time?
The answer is 5:47
